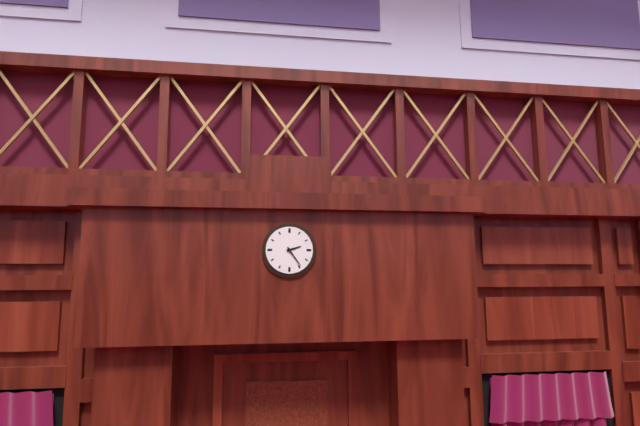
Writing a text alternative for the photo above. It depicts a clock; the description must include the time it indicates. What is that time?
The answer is 2:24
